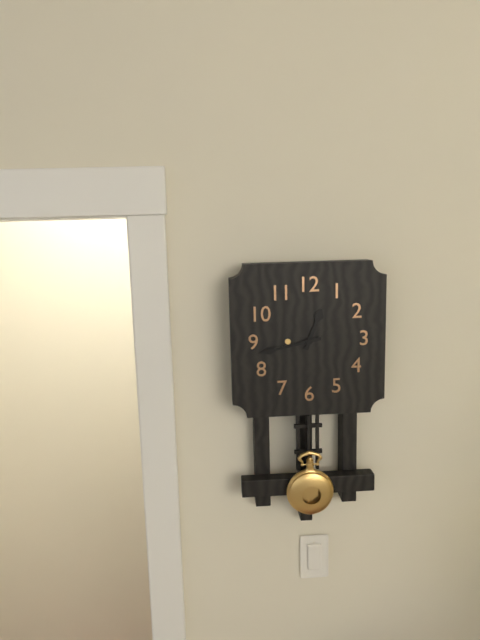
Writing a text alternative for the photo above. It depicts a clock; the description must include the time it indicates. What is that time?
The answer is 12:43
